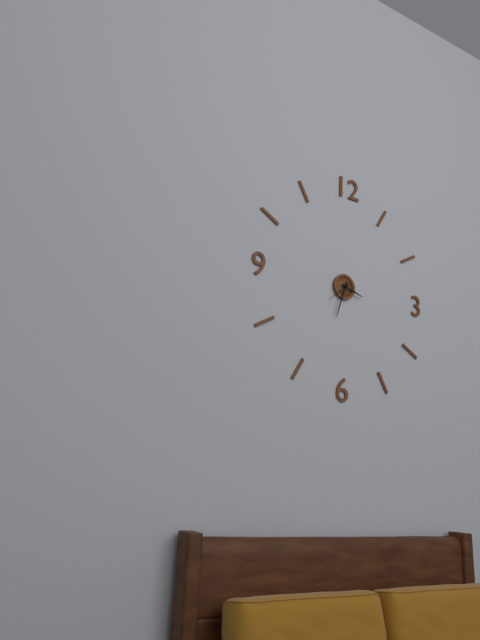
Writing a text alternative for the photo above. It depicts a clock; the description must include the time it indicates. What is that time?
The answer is 3:33
